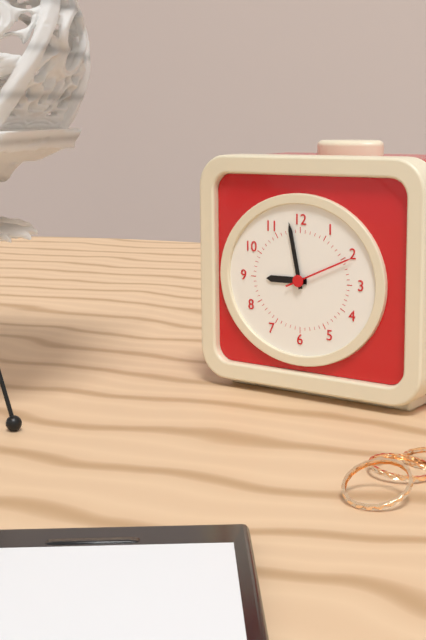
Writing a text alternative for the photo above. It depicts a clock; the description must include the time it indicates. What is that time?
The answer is 8:58:11
